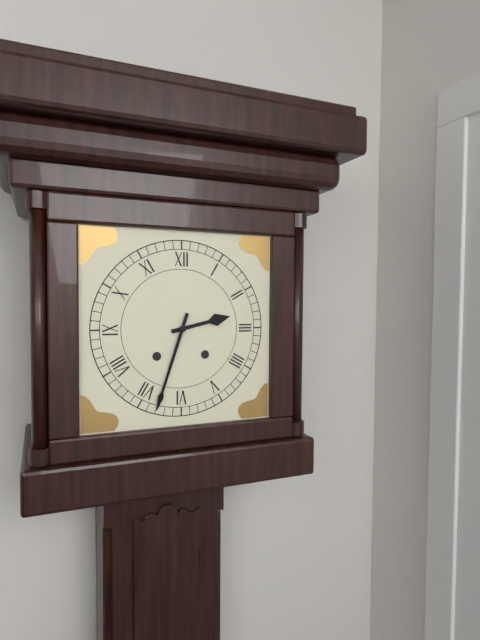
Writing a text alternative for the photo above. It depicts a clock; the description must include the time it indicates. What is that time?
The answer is 2:33
